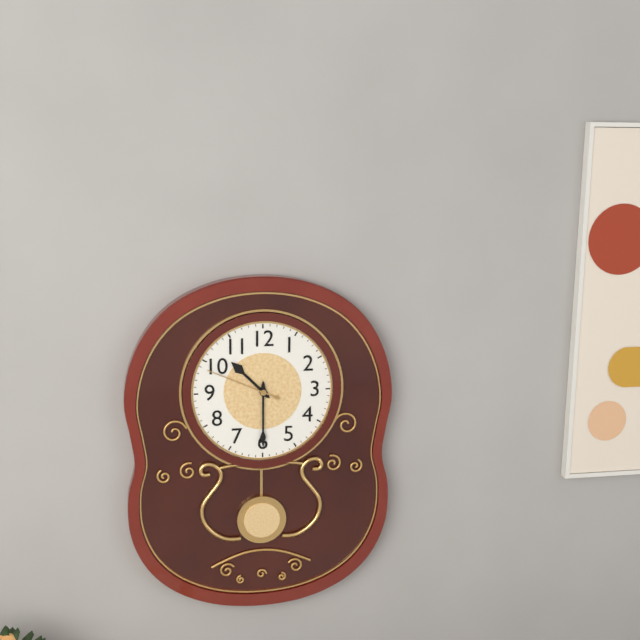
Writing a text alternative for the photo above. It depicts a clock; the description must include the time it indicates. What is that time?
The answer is 10:30:49
